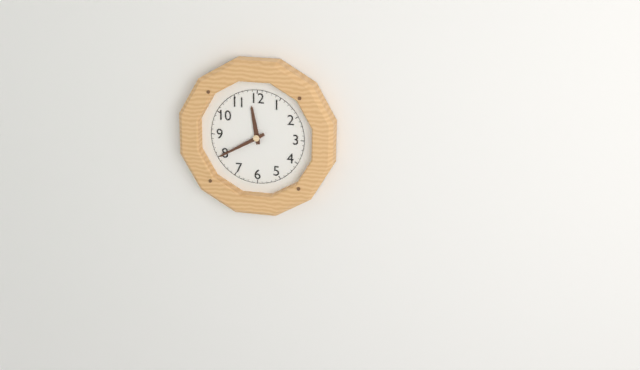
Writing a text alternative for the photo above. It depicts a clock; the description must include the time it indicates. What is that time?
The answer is 11:40
